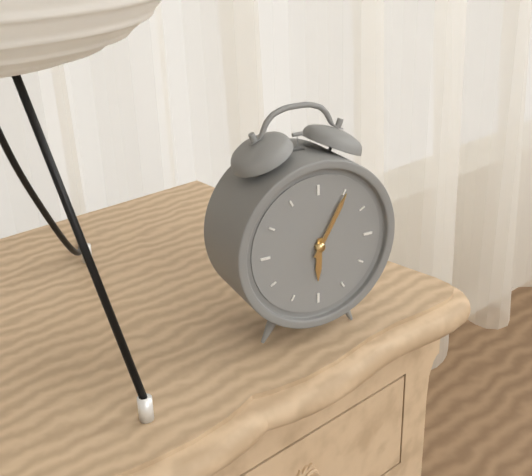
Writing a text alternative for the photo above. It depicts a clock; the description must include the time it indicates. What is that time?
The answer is 6:05
